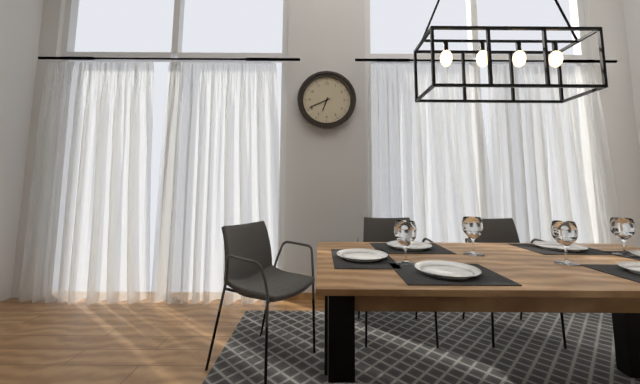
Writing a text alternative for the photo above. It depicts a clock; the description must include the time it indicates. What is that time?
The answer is 6:41
